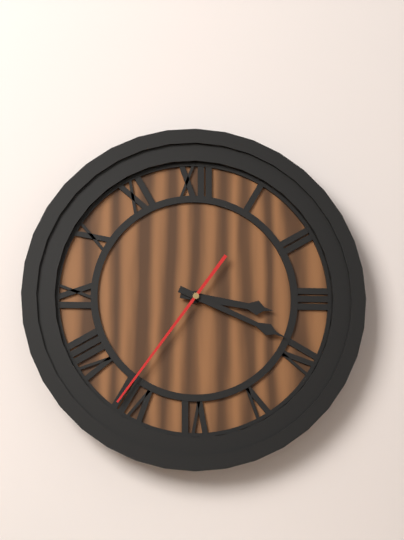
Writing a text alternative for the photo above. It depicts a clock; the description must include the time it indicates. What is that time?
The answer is 3:19:36
